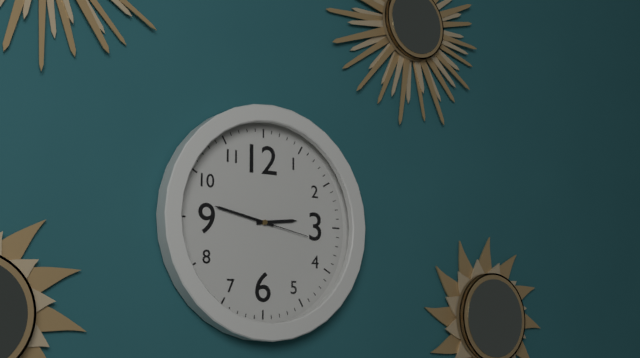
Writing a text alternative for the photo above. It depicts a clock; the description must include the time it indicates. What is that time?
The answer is 2:47:17
